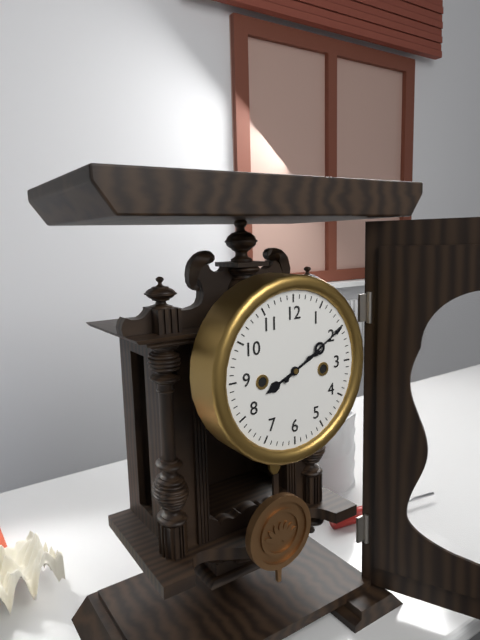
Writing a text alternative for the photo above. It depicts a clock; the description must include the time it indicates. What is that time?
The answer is 8:10
